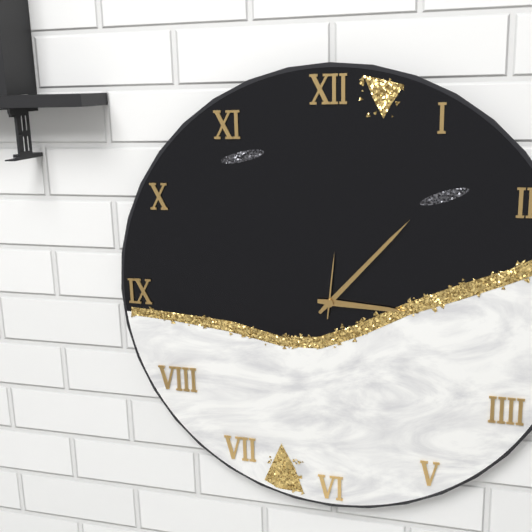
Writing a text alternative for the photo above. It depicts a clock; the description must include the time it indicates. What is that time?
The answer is 3:07:01
